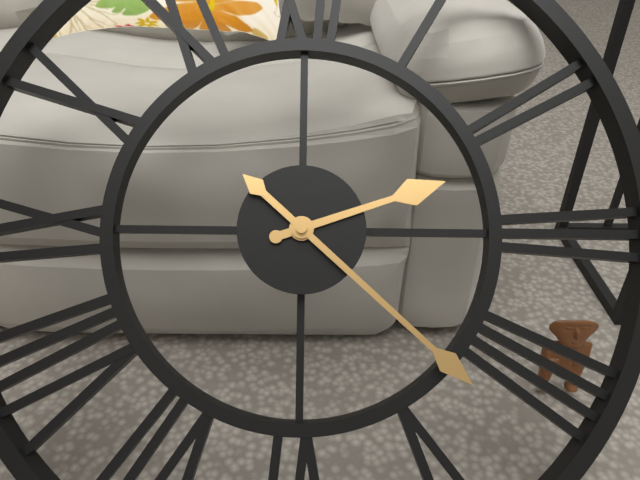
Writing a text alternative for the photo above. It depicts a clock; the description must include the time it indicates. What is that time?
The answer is 2:22
